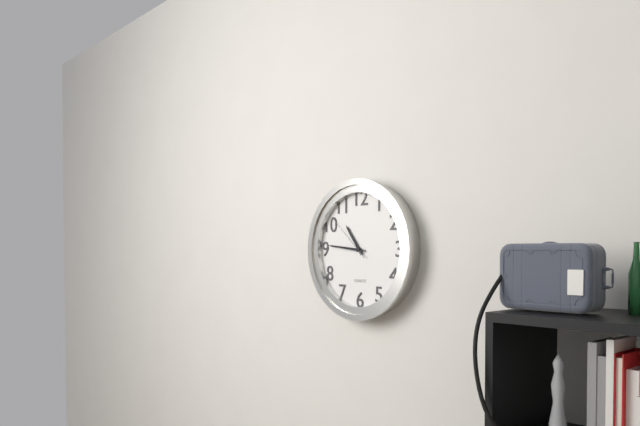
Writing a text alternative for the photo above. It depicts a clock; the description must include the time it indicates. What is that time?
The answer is 10:46:52
